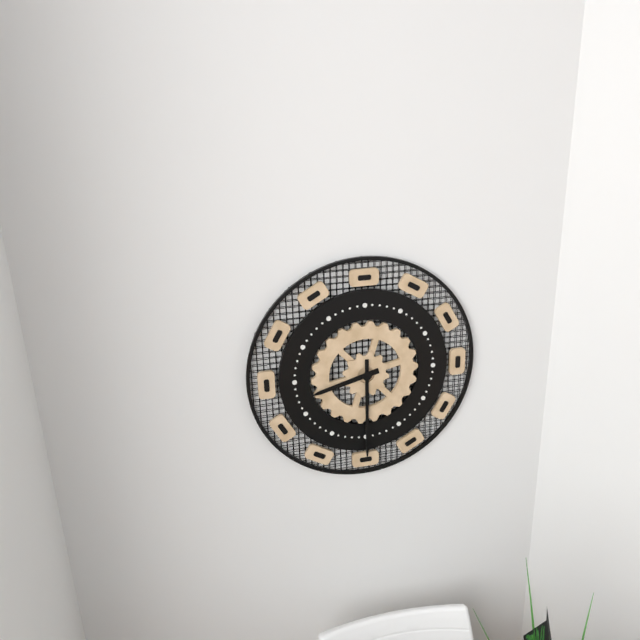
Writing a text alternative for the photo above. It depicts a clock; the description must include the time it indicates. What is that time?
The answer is 8:30
